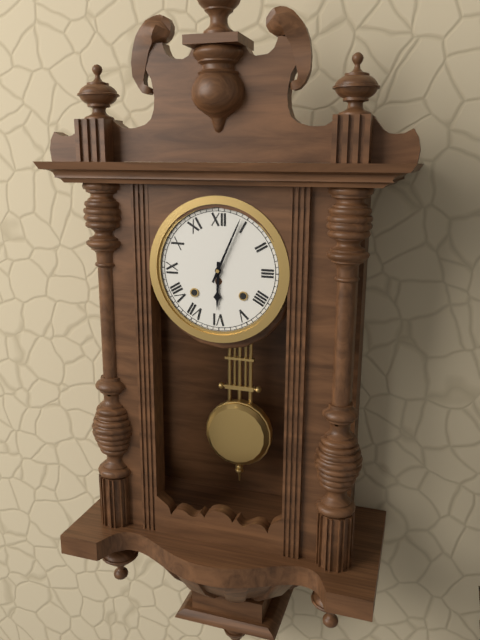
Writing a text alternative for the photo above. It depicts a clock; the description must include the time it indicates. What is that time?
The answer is 6:04
